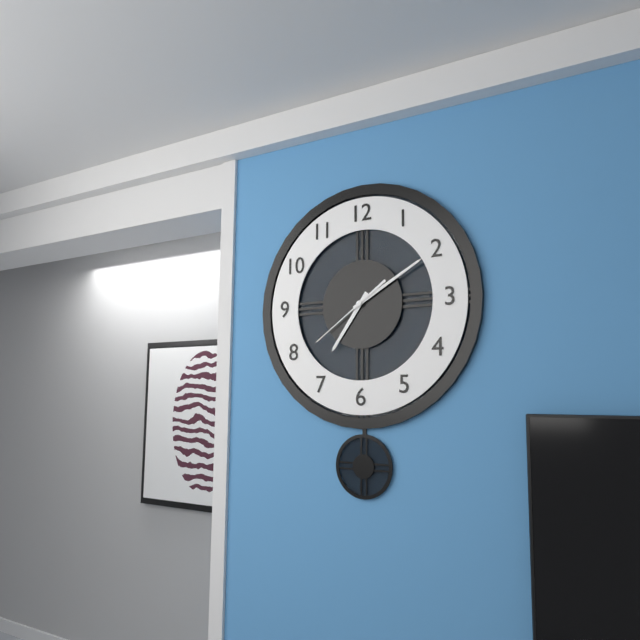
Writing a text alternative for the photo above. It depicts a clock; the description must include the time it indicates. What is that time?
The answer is 7:10:39
